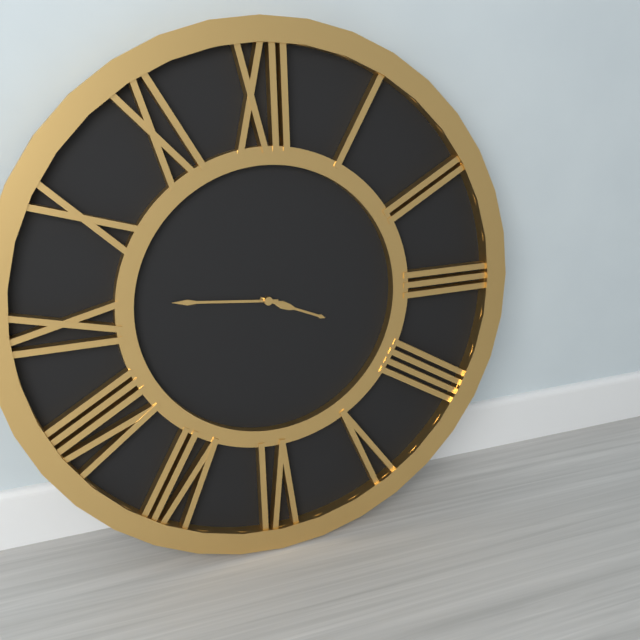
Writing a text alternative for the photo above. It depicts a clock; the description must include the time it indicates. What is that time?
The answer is 3:46
